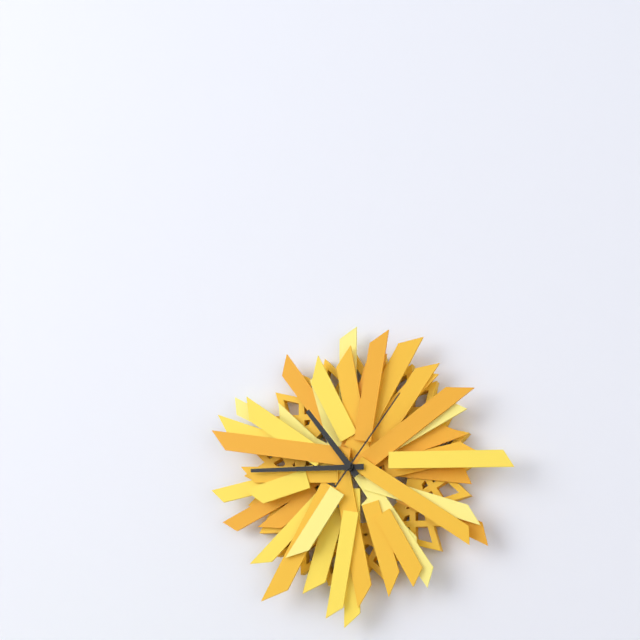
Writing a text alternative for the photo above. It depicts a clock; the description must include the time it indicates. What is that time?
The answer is 10:45:06
